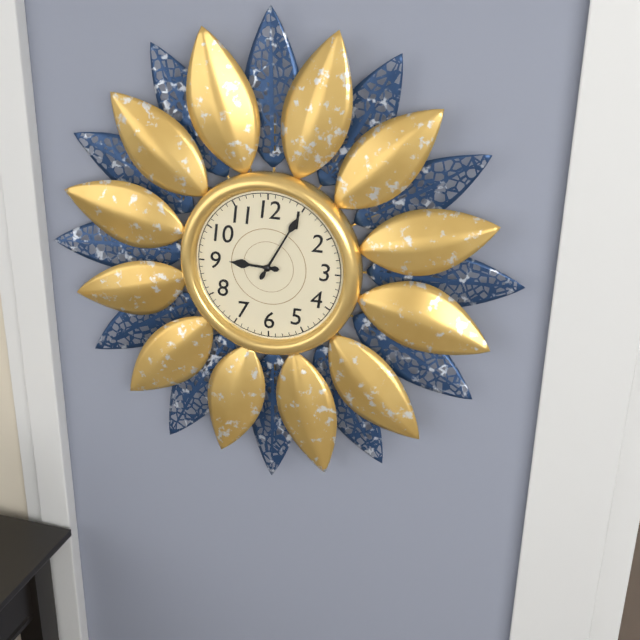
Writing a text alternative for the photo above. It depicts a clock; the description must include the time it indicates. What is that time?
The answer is 9:05
